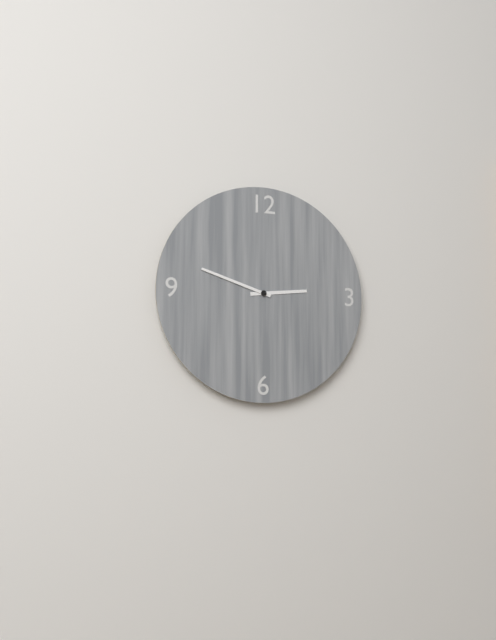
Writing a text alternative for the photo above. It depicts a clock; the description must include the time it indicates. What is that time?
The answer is 2:48
